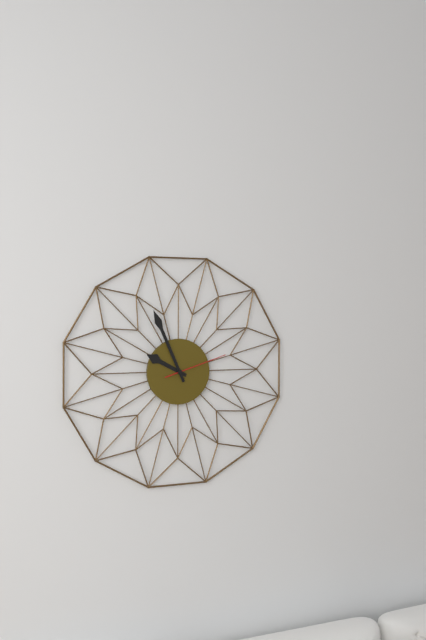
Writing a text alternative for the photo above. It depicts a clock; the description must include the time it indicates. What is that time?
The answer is 9:56:12
